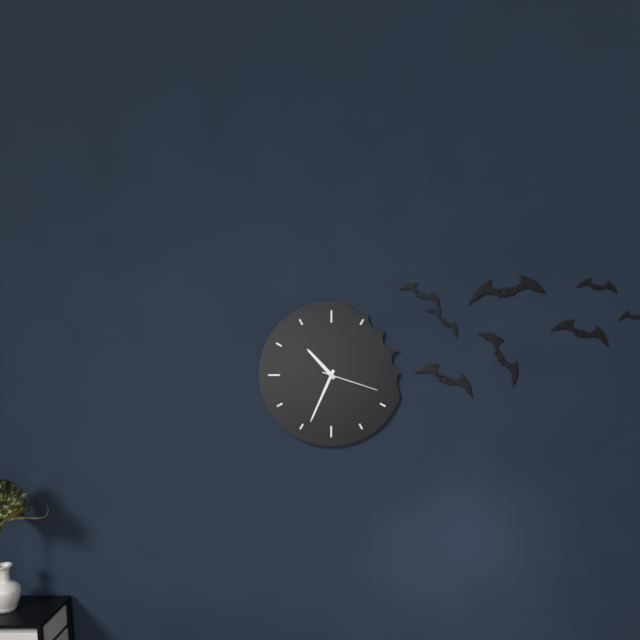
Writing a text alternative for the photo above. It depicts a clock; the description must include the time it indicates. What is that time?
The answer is 10:34:18
